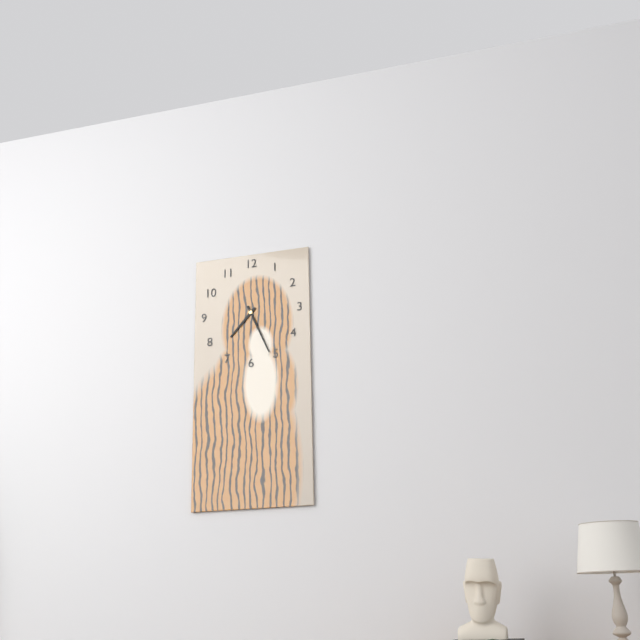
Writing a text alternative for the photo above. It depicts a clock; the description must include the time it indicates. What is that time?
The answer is 7:26
